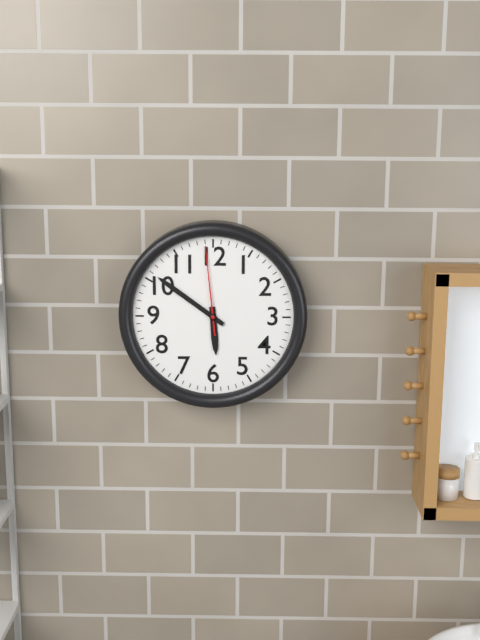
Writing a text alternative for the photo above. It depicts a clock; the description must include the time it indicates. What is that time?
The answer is 5:51:59
